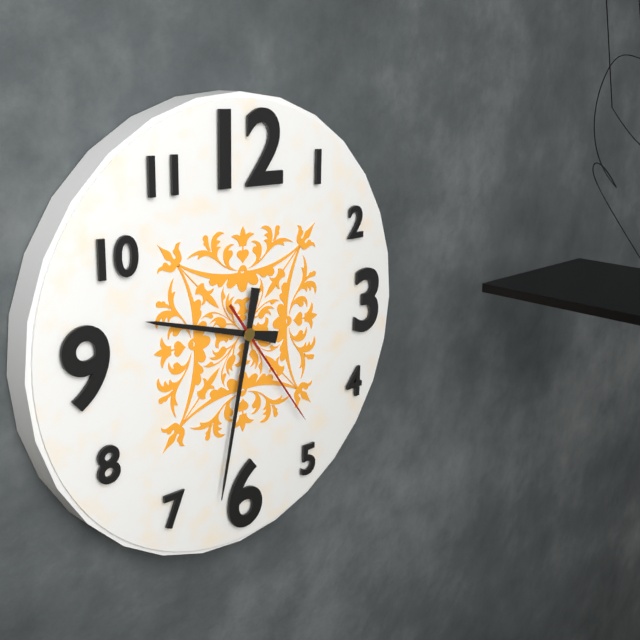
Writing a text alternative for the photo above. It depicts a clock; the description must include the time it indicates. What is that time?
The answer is 9:32:24
